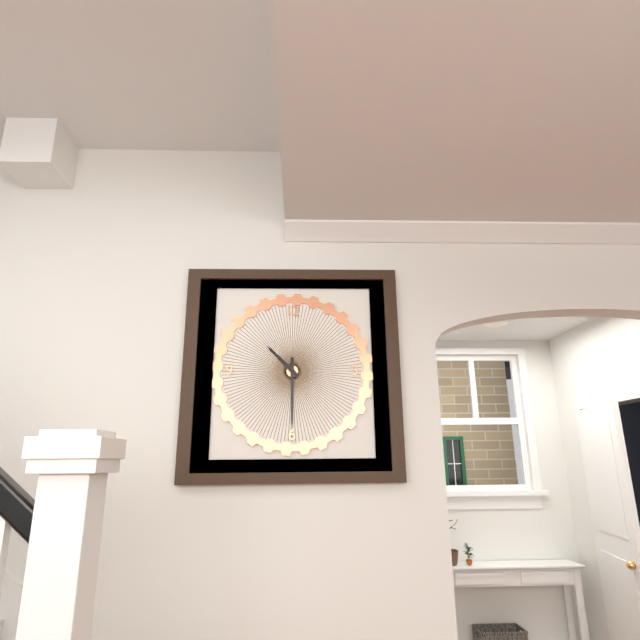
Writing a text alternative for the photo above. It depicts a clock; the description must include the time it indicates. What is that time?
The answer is 10:30
